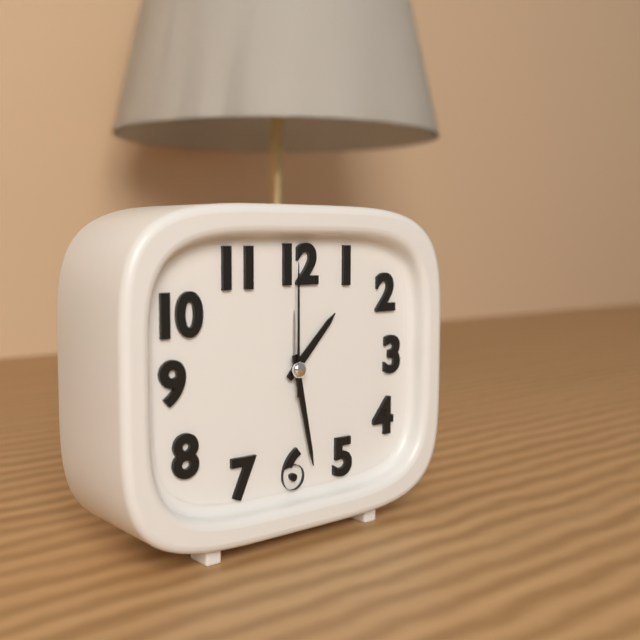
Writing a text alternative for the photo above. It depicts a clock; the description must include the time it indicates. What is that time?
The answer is 1:28:00
